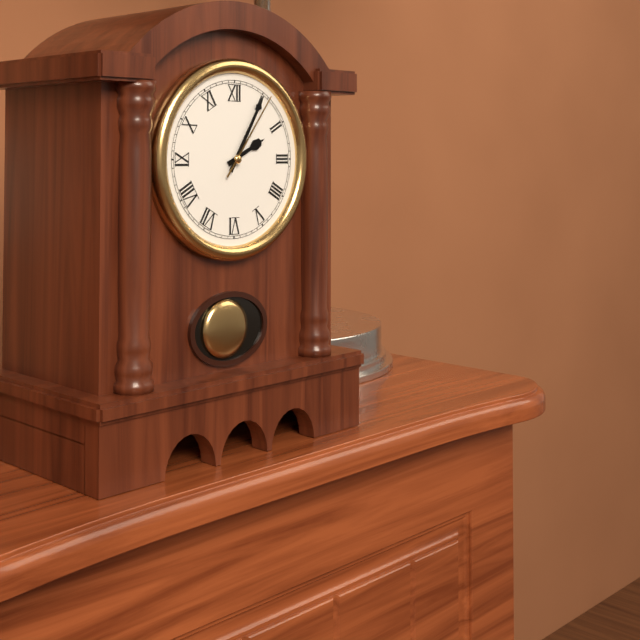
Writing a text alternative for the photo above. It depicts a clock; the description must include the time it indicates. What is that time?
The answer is 2:05:06
